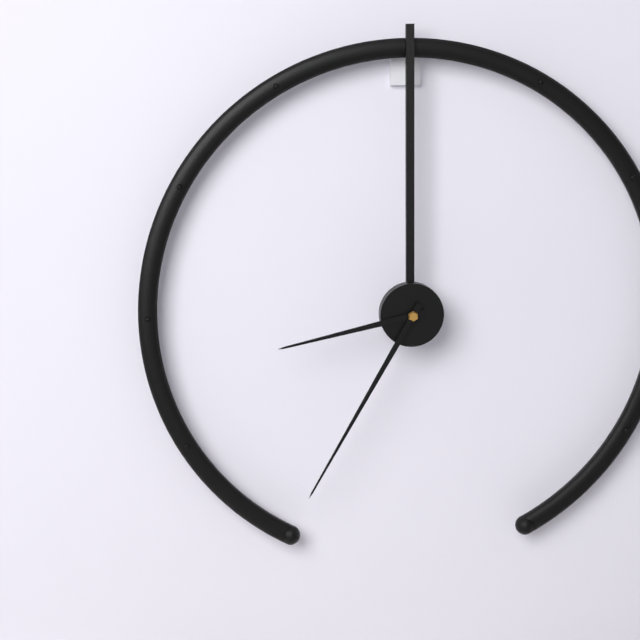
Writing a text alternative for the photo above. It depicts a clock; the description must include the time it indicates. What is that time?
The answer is 8:35
